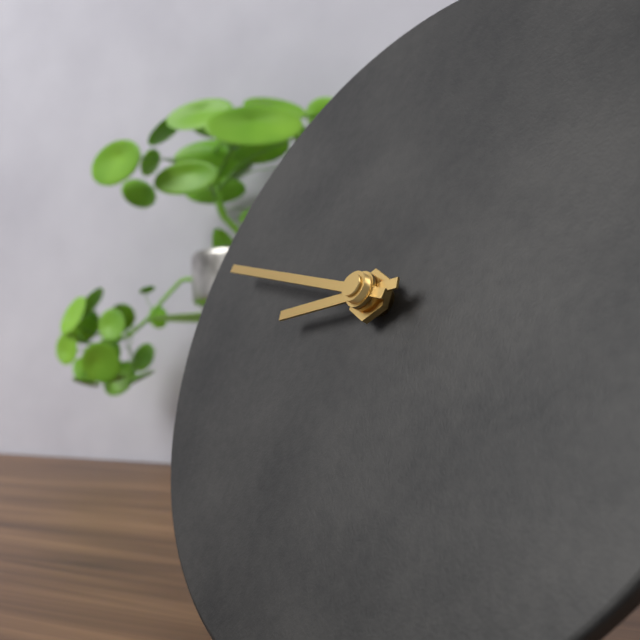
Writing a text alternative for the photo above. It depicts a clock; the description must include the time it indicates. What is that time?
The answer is 8:47
